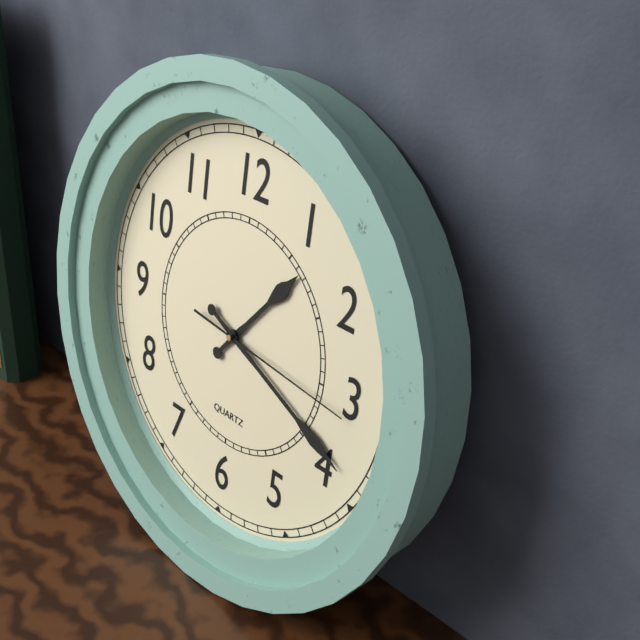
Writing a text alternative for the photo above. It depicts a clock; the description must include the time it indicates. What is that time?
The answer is 1:19:16
